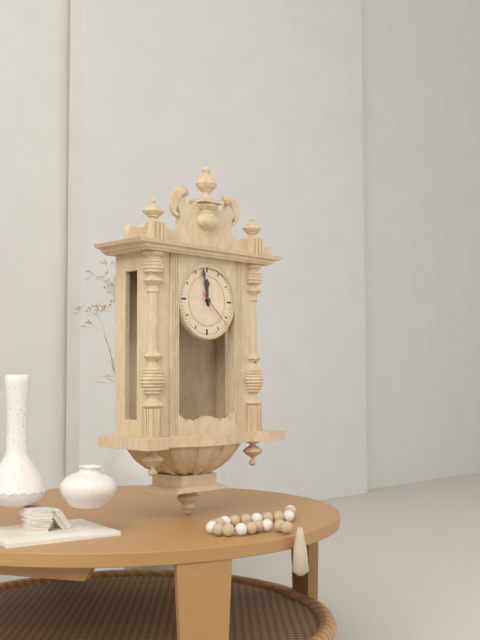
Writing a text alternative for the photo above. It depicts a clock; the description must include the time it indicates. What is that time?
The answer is 11:58
